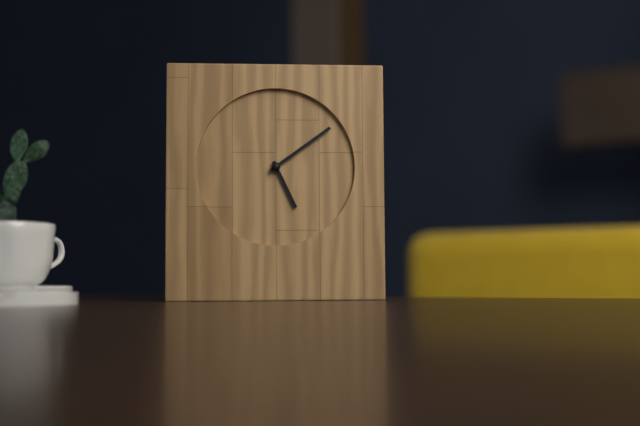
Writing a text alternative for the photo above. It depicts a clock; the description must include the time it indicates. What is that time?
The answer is 5:09
